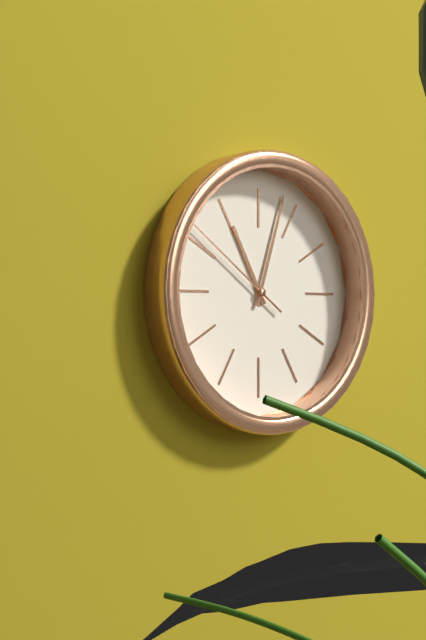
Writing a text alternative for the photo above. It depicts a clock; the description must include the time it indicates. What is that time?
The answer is 11:03:51
